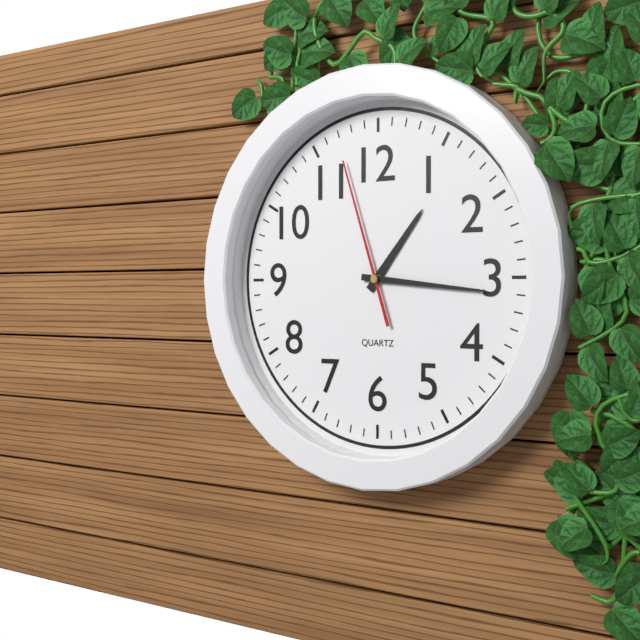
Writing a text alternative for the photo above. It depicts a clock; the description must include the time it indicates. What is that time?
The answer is 1:16:57
